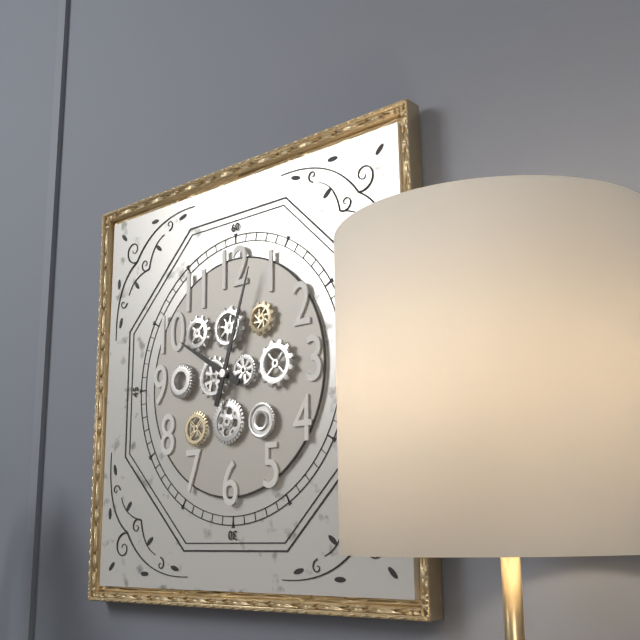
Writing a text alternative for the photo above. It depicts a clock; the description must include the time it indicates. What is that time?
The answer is 10:03
